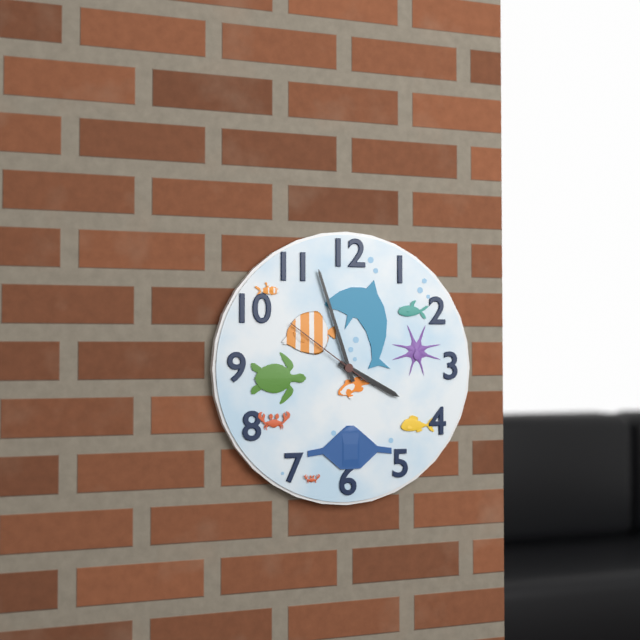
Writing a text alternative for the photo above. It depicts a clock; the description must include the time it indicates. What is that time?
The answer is 3:57:51
